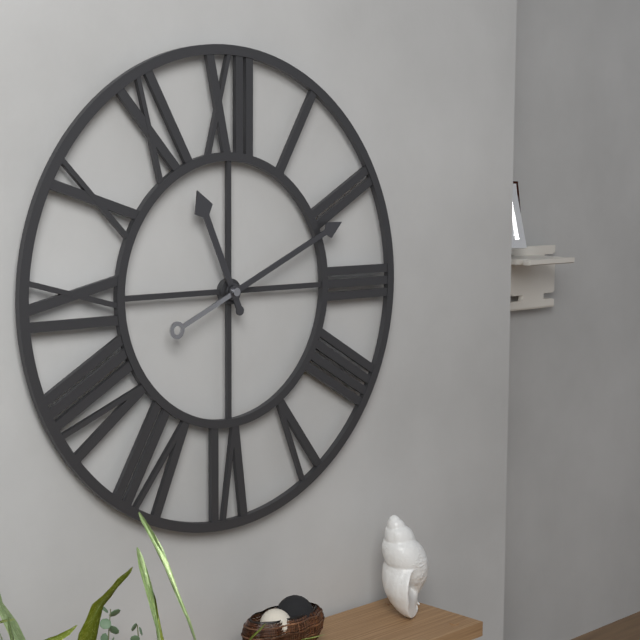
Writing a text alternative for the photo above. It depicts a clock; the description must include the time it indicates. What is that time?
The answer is 11:11
